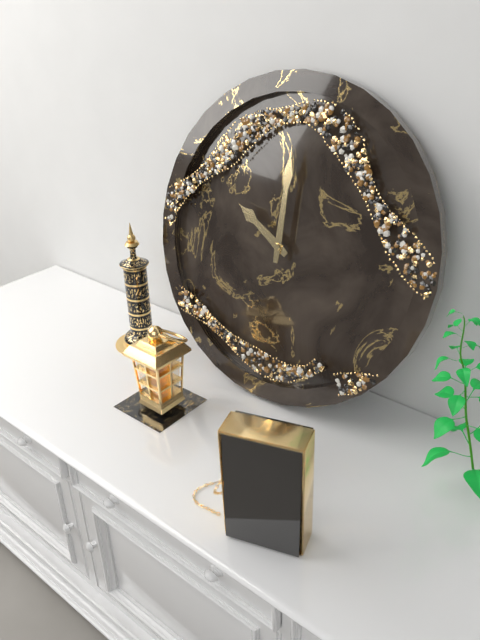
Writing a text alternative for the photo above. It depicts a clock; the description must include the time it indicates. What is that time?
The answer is 10:00
